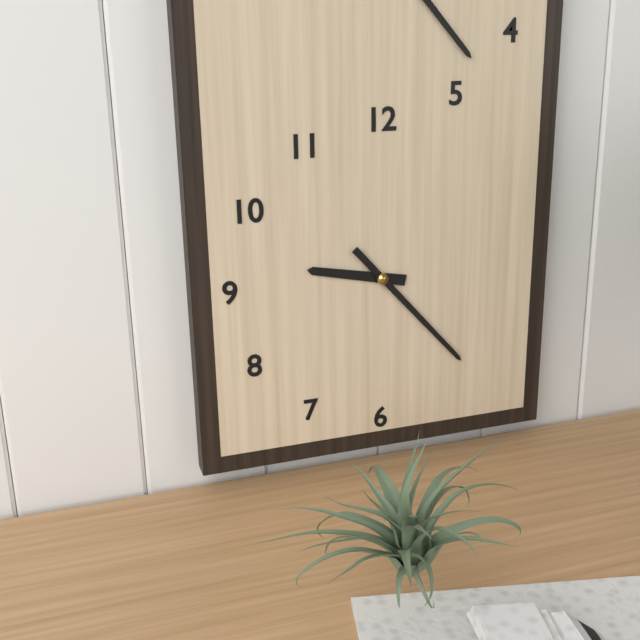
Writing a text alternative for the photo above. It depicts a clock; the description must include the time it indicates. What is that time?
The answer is 9:23
